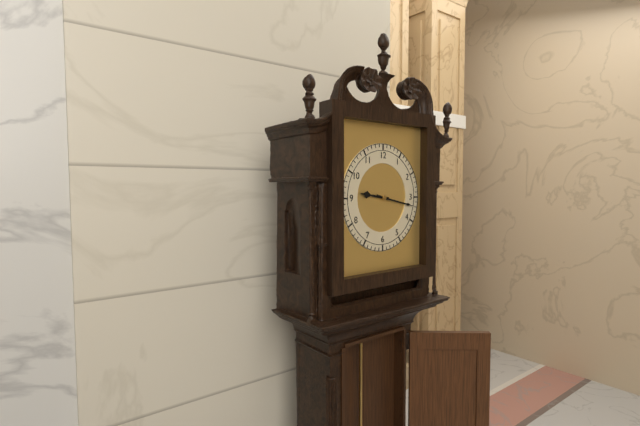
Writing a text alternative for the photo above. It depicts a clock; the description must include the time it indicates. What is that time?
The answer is 9:17
